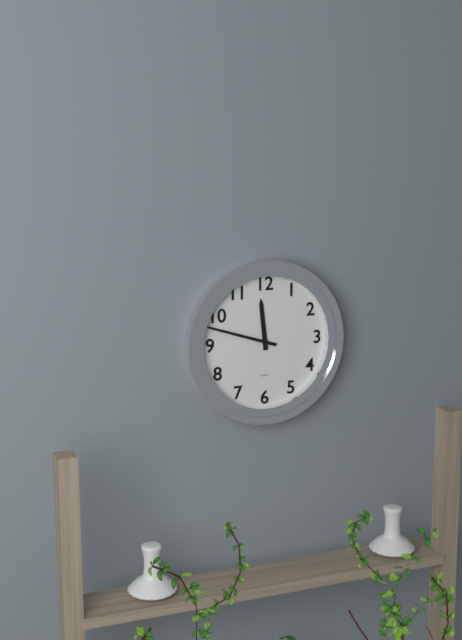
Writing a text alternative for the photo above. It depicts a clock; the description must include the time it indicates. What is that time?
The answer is 11:48
